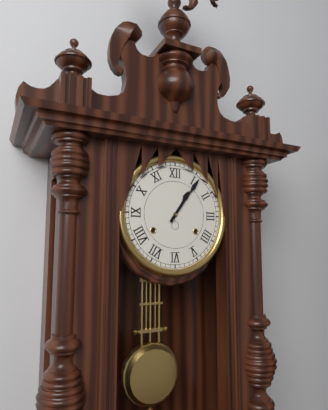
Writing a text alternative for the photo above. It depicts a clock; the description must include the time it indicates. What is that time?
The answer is 1:06
